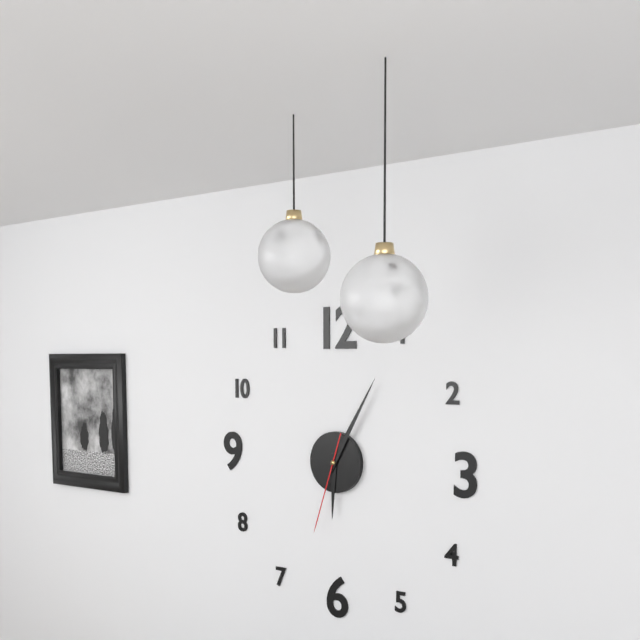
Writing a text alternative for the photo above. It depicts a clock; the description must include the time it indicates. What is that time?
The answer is 6:05:33
